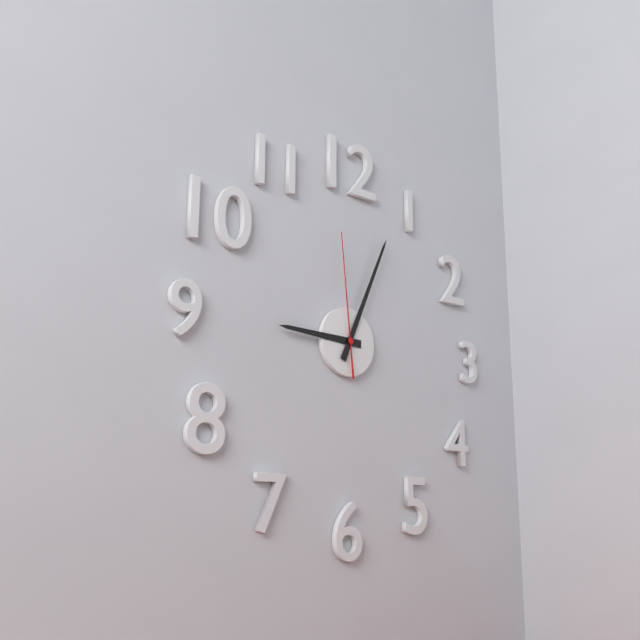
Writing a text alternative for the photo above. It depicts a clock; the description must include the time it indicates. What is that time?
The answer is 9:04:59
